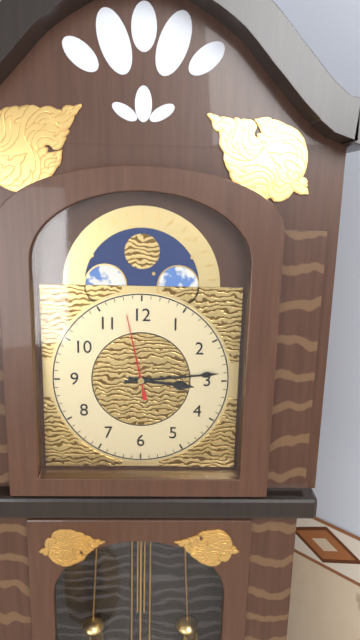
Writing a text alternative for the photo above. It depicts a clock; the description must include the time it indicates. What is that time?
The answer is 3:14:58
